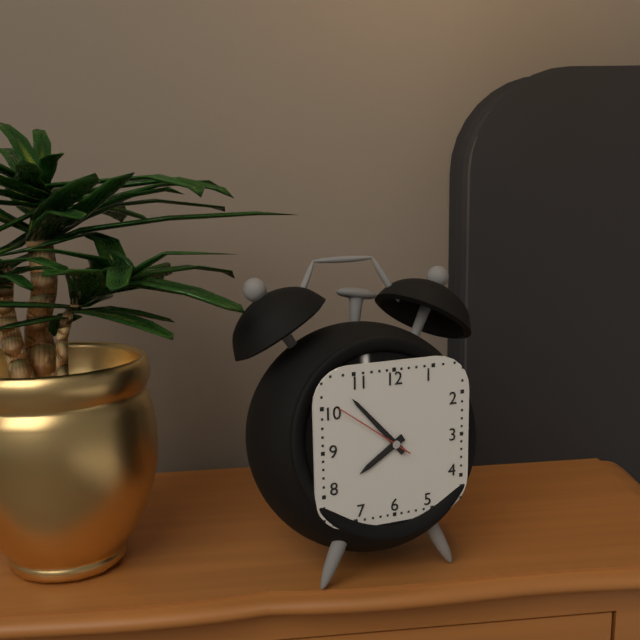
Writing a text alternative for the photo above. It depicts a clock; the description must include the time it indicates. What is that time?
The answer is 7:53:51
